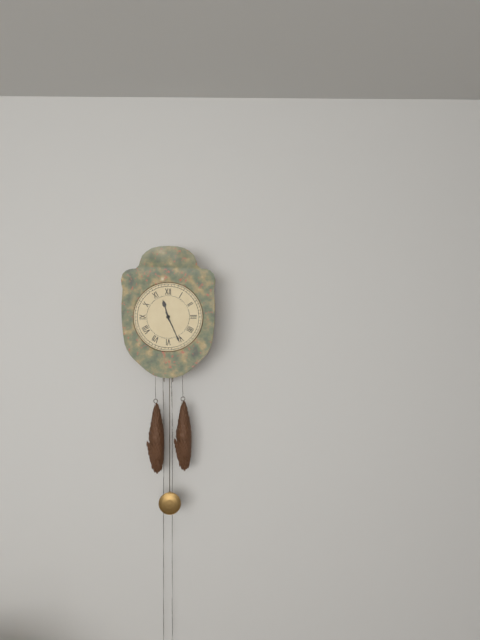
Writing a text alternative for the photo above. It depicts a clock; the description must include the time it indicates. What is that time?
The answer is 11:26
